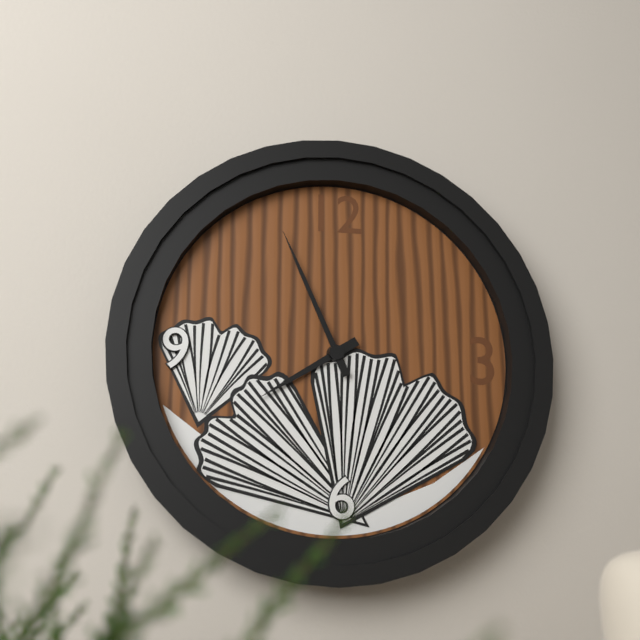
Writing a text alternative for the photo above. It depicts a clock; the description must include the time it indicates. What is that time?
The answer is 7:56
